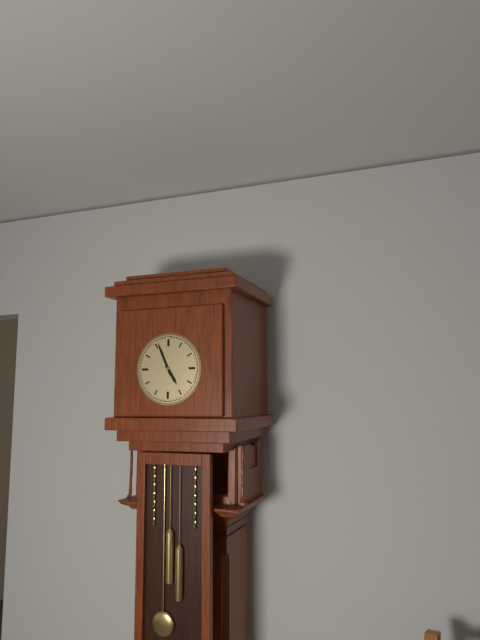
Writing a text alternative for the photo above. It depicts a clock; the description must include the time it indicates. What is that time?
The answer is 4:56
